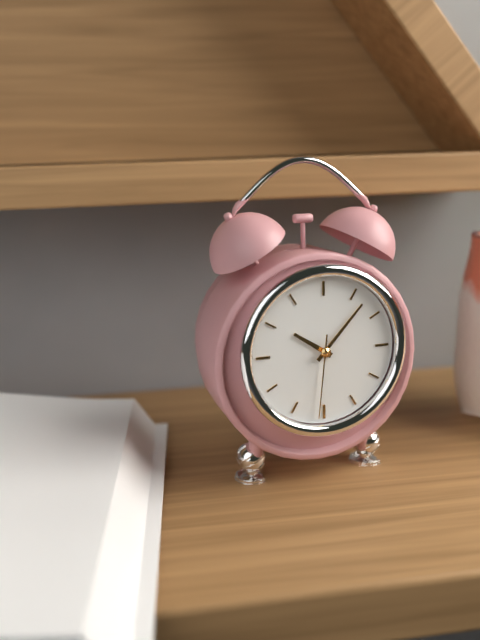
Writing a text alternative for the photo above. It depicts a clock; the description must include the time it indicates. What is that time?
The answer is 10:07:31
